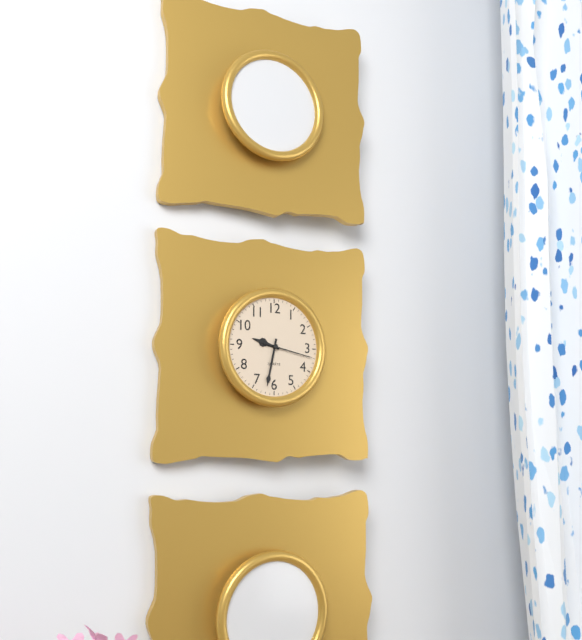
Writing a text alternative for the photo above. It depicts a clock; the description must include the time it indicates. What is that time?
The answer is 9:32
